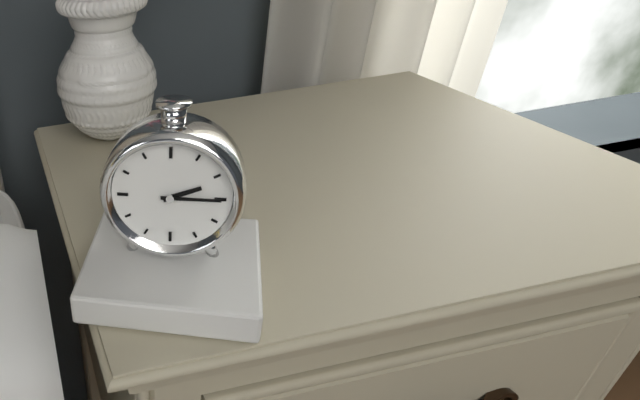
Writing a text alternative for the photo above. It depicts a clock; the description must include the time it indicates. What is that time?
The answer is 2:15
